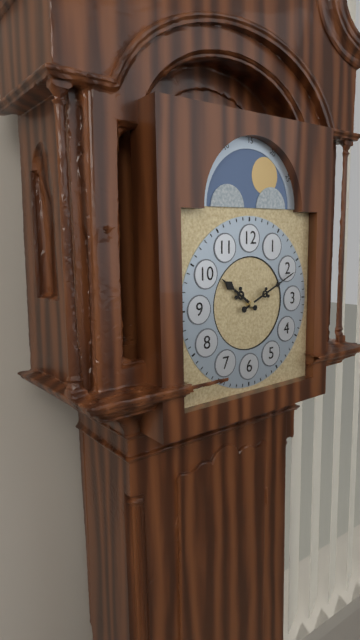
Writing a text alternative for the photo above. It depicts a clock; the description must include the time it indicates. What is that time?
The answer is 10:11
